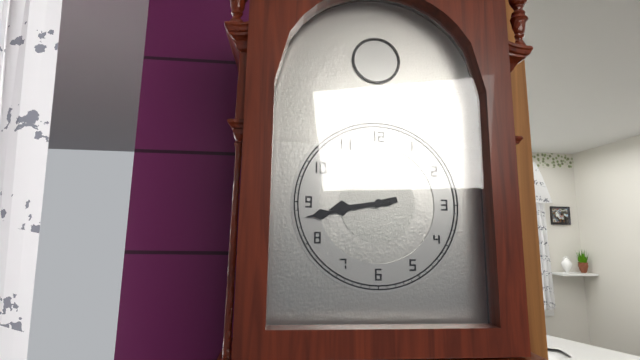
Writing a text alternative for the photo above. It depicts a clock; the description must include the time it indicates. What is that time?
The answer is 8:43
